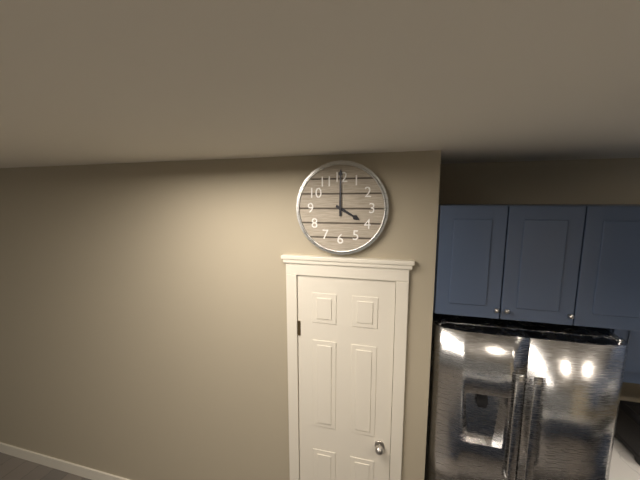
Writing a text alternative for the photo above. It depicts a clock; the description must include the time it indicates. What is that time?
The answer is 4:00
